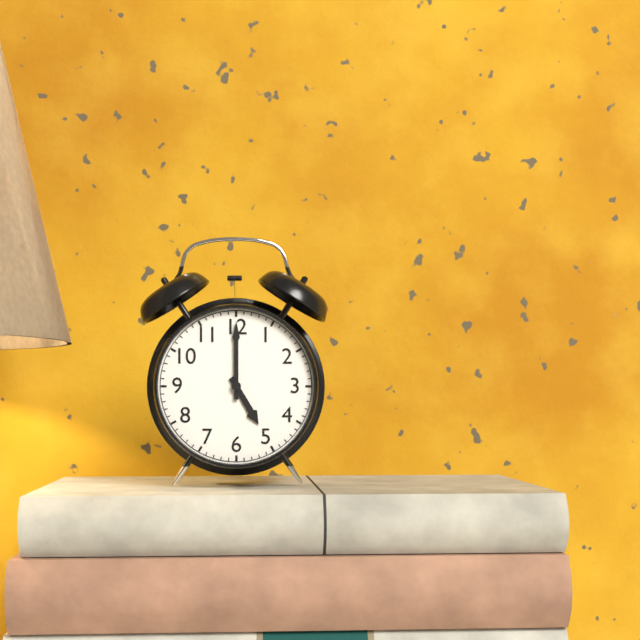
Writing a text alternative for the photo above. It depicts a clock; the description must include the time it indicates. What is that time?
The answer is 5:00
